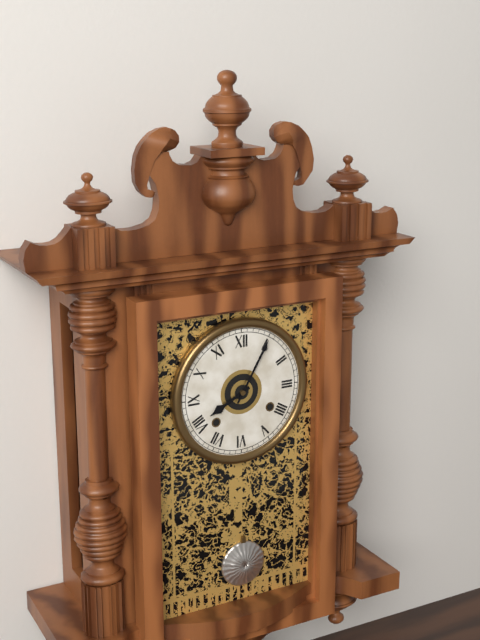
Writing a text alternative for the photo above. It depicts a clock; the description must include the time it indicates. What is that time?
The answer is 8:05
